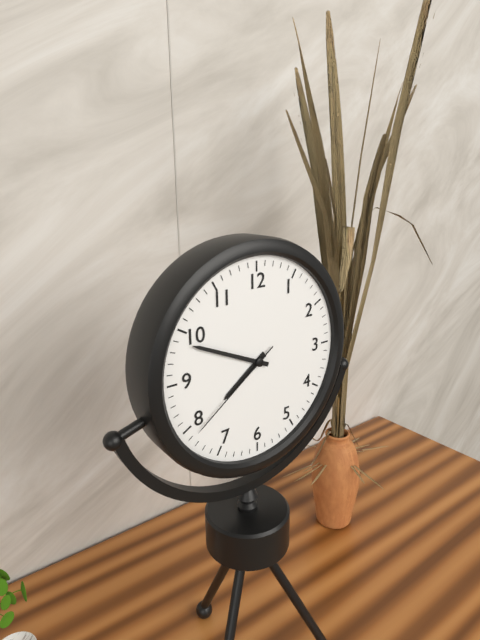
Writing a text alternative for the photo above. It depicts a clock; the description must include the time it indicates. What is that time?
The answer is 7:49:39
